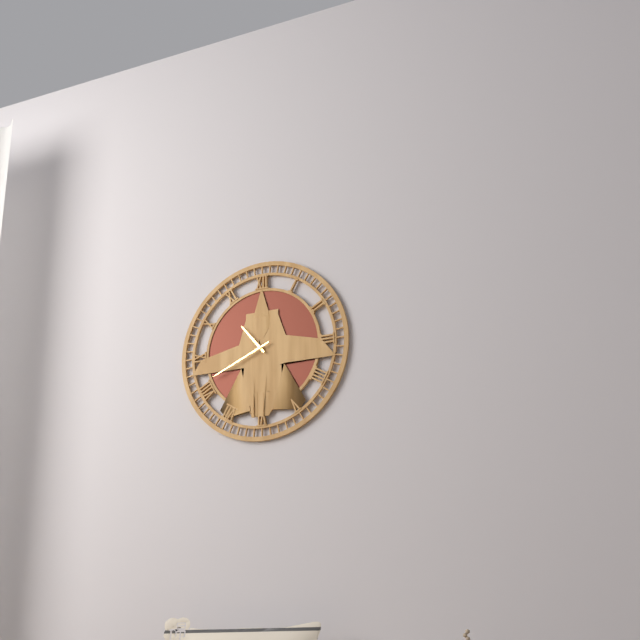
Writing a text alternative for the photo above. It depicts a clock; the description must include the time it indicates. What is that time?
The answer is 10:41
